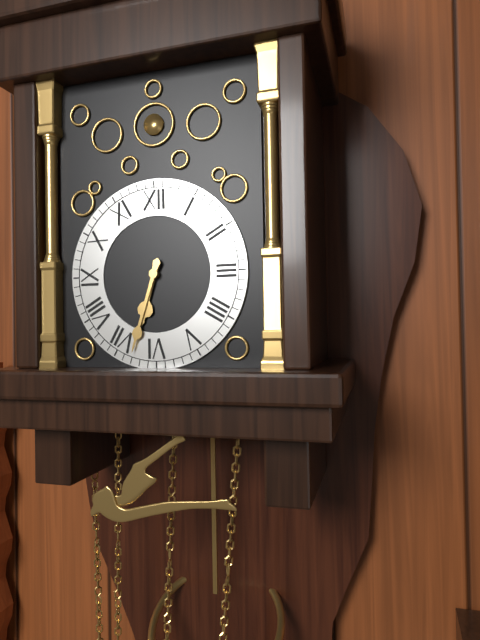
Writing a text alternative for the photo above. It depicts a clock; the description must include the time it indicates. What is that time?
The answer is 6:33
